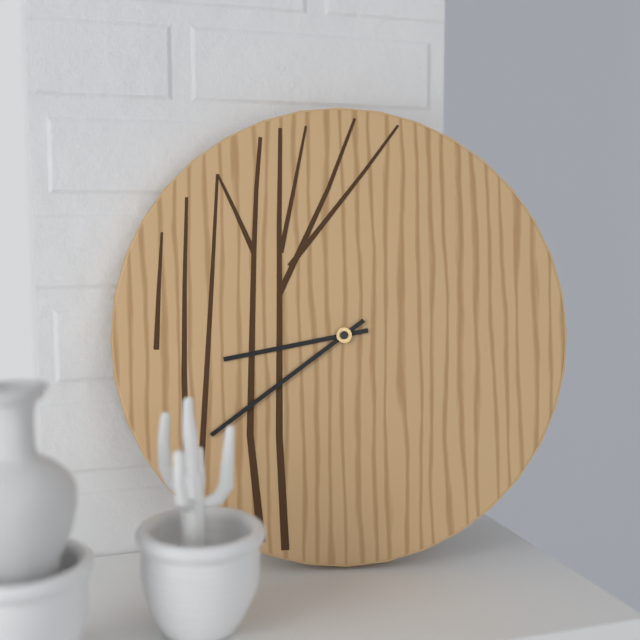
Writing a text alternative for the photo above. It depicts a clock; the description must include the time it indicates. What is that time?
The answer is 8:39
